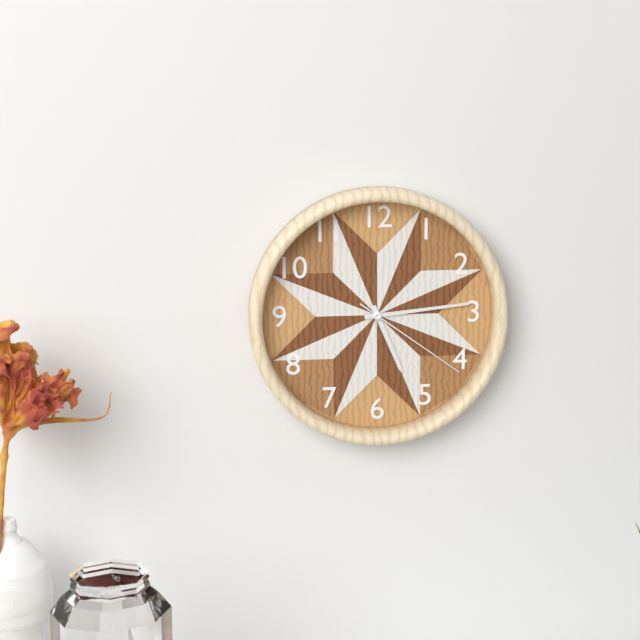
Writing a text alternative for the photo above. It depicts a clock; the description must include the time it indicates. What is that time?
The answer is 5:14:21
